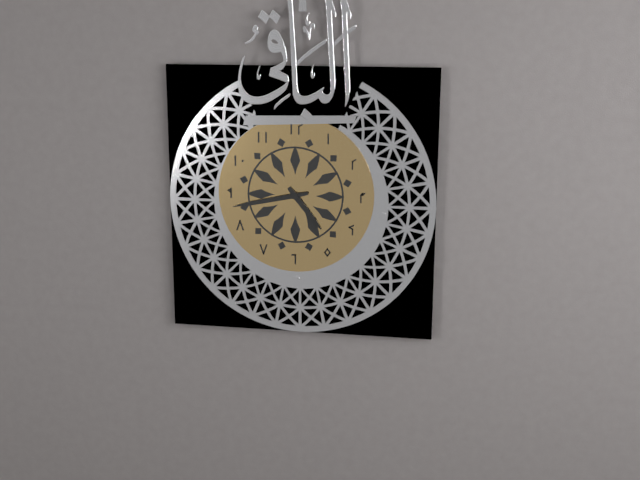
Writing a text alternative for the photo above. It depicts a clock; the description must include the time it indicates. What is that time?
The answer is 4:43
